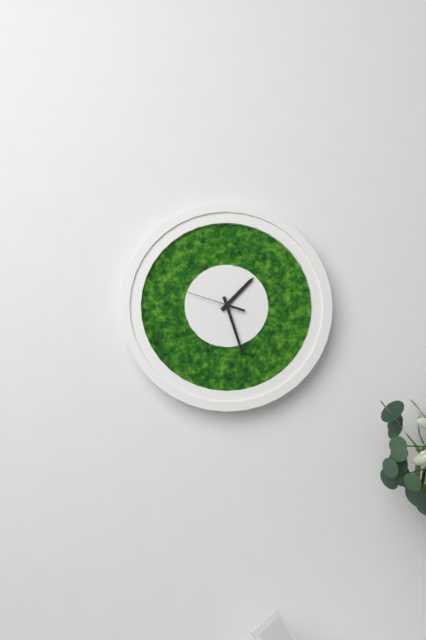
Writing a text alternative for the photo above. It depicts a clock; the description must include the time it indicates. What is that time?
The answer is 1:27:48
